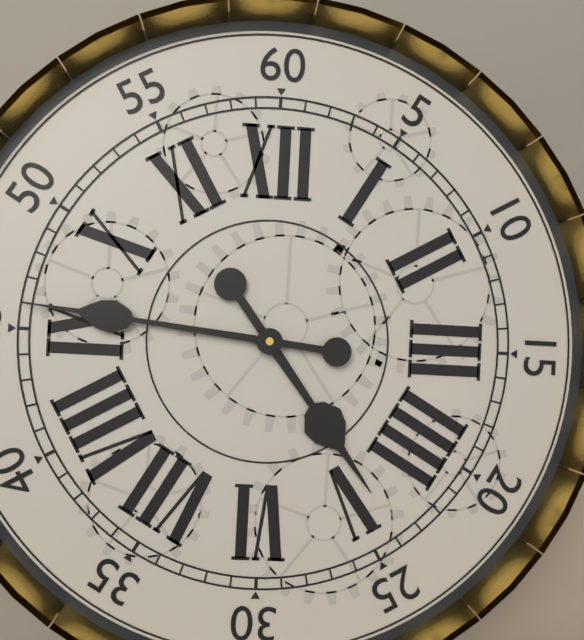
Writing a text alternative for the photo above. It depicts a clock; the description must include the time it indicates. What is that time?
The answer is 4:46
